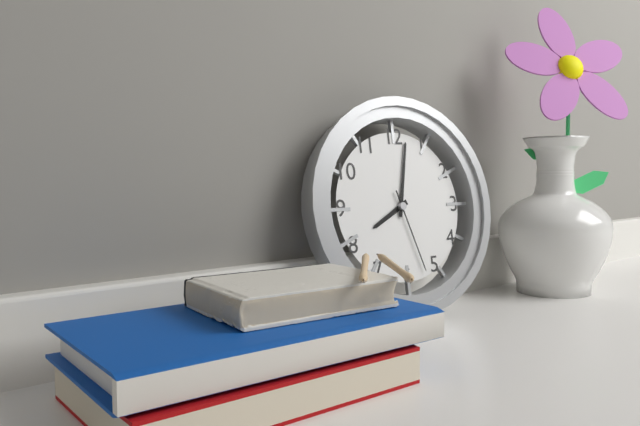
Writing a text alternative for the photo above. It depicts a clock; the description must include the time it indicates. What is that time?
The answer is 8:02:27
